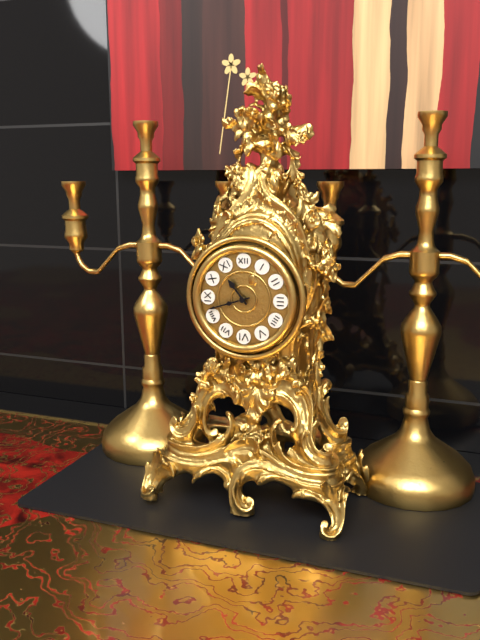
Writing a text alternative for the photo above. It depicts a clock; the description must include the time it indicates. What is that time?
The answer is 10:42
